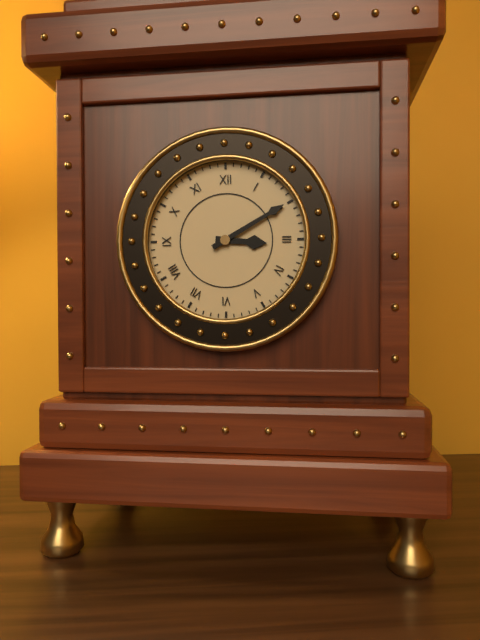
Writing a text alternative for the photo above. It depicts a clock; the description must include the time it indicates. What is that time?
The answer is 3:10
